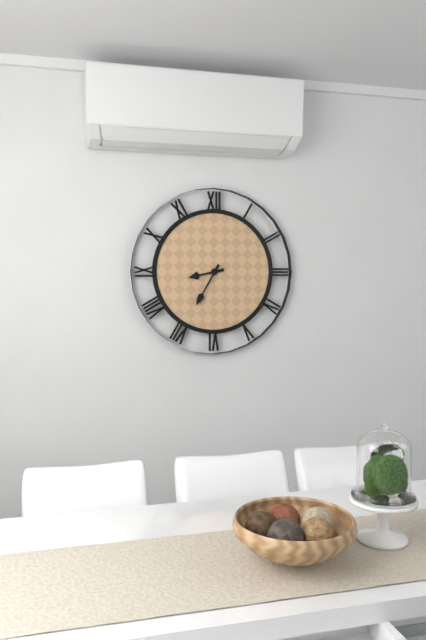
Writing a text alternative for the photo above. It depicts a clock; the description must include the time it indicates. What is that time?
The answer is 8:35
